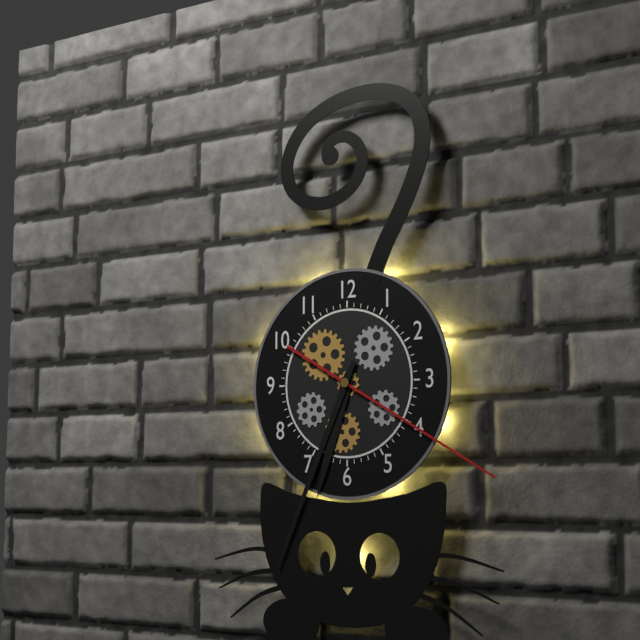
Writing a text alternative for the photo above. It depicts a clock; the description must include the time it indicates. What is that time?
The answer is 6:34:20
